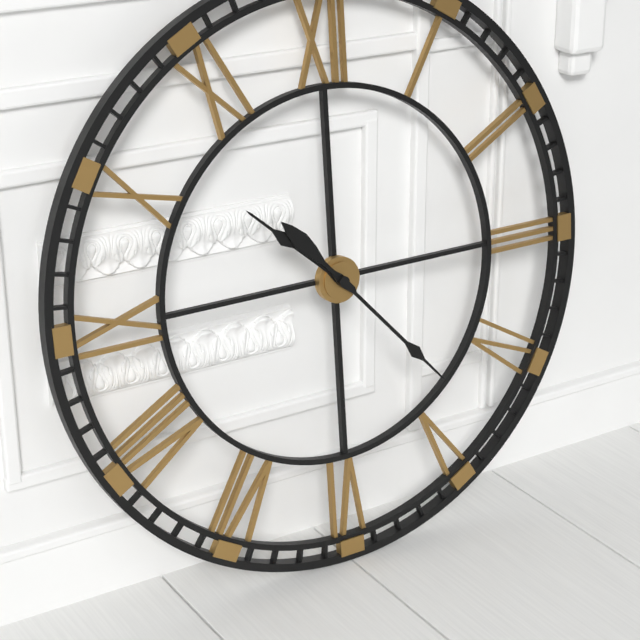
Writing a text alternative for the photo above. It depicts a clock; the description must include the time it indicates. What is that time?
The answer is 10:23
